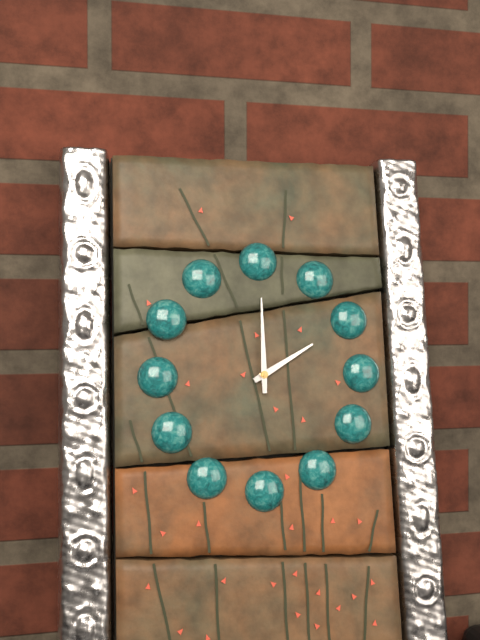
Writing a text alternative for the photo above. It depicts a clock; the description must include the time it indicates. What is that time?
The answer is 2:00
